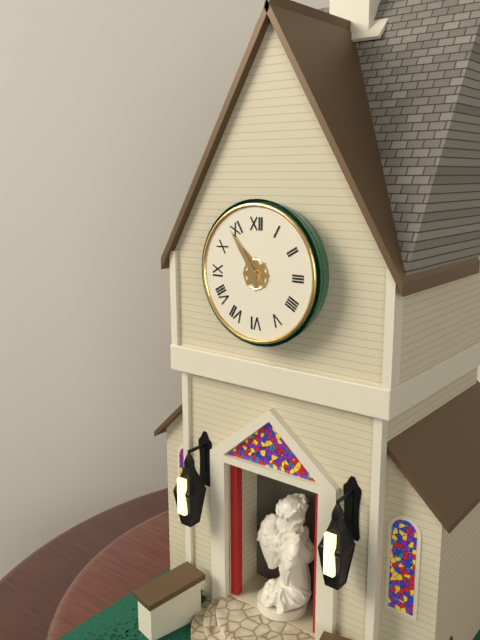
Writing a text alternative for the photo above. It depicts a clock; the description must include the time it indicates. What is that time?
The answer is 10:54
